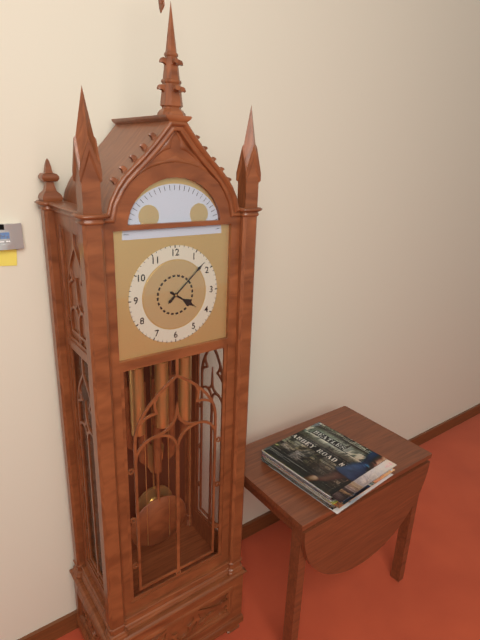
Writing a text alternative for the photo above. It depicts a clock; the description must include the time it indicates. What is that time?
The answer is 4:08
